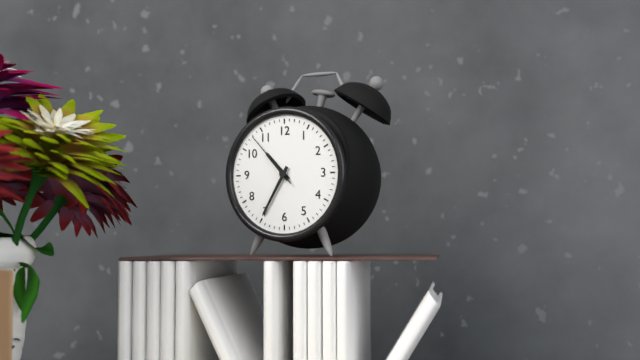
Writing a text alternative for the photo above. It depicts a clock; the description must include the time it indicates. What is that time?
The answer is 10:35:53
